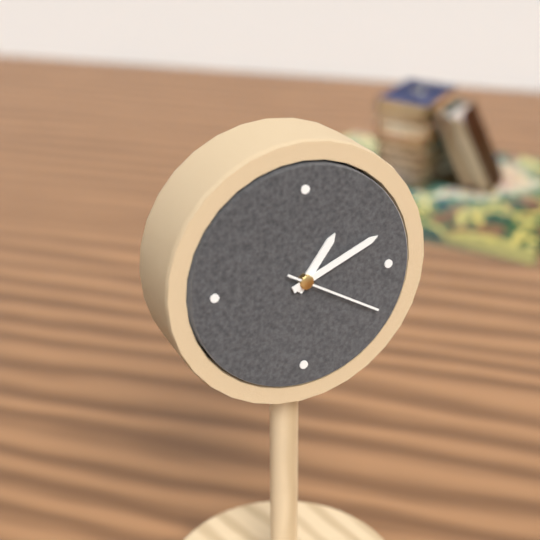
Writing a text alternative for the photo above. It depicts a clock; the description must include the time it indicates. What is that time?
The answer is 1:11:20
